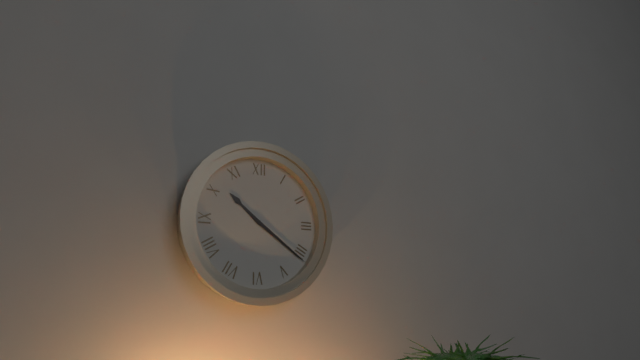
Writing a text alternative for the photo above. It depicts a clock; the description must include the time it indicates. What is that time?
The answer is 10:21
